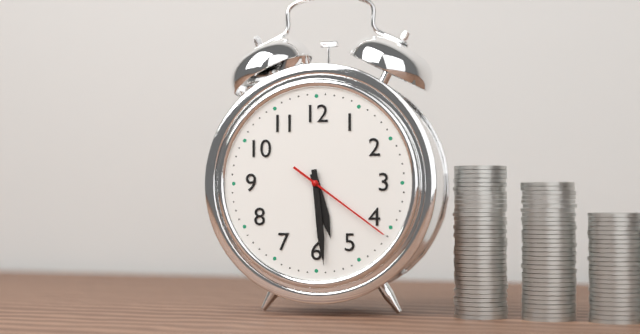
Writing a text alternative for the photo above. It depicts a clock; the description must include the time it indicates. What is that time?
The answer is 5:29:21
